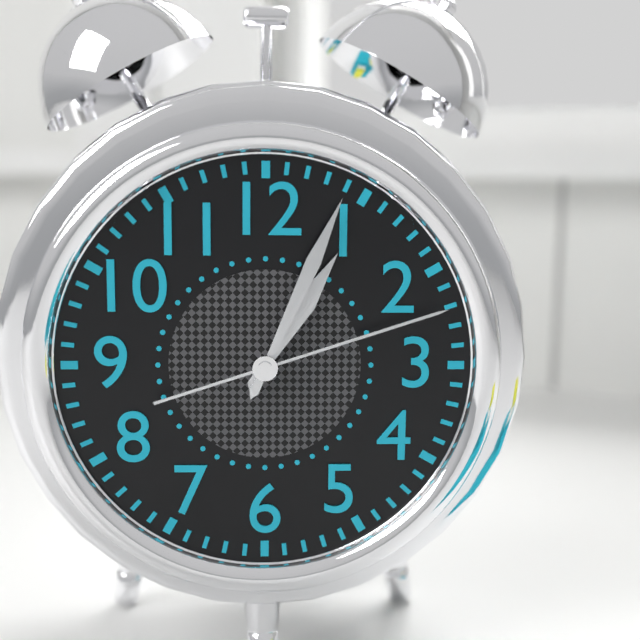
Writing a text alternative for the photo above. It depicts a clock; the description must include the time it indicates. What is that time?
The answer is 1:04:12
